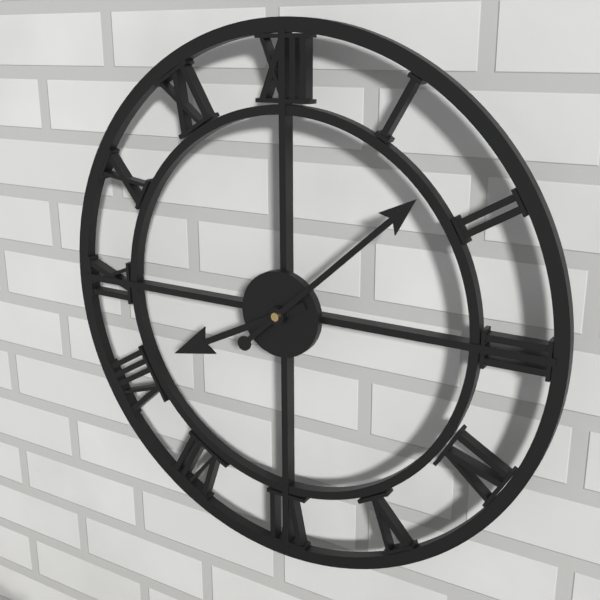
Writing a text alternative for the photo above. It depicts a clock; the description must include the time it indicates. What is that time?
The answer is 8:08
